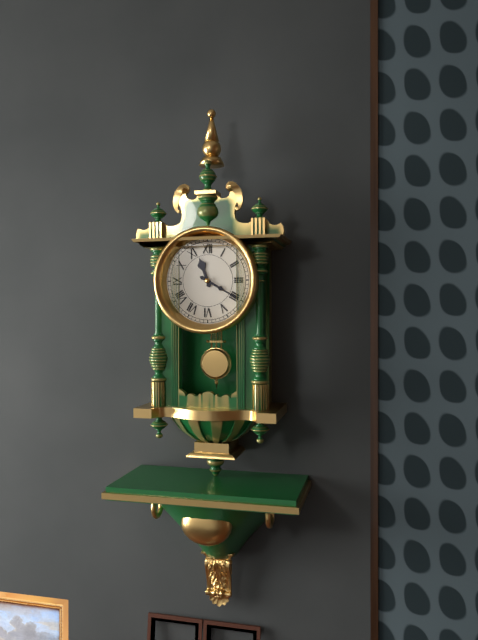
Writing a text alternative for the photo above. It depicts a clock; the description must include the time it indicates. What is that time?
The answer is 11:20
